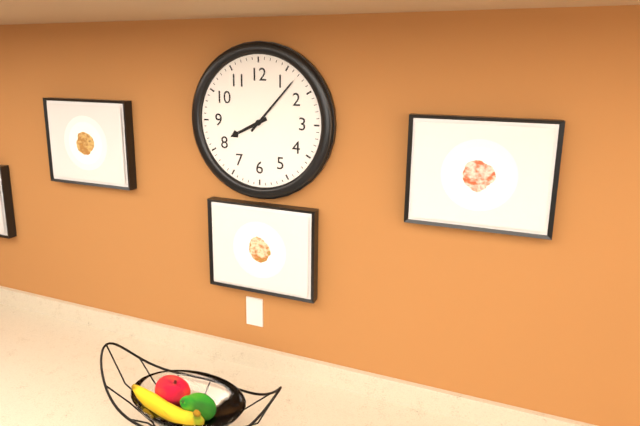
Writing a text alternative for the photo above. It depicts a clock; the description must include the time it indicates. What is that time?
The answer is 8:07
